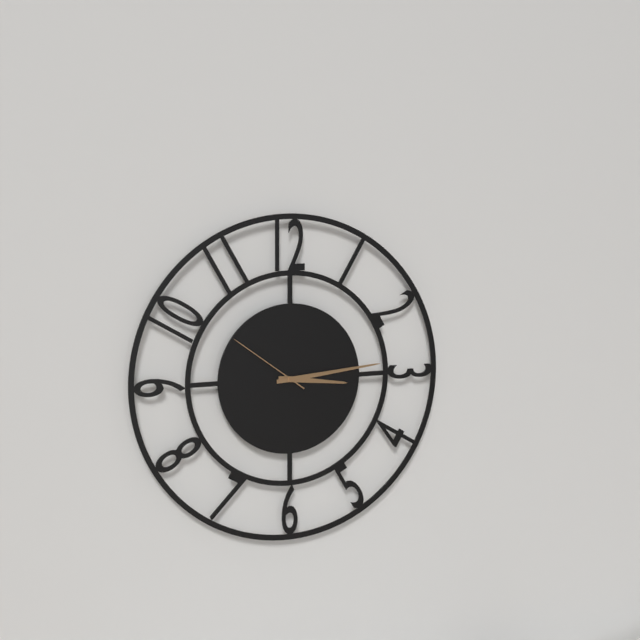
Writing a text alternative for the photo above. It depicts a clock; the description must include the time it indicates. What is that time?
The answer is 3:14:51
